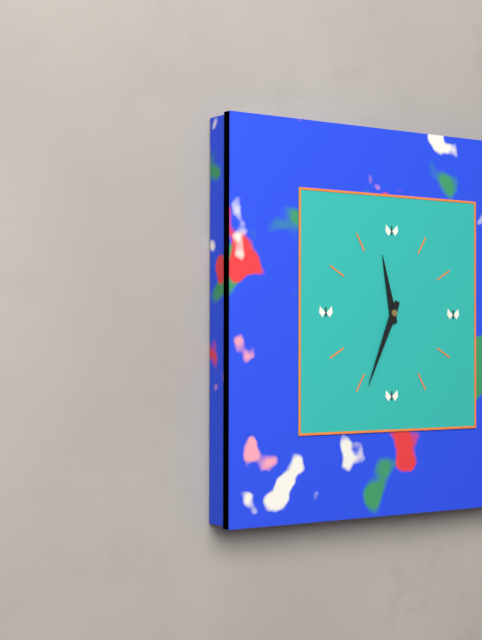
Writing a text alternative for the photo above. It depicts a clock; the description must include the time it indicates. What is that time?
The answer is 11:34
